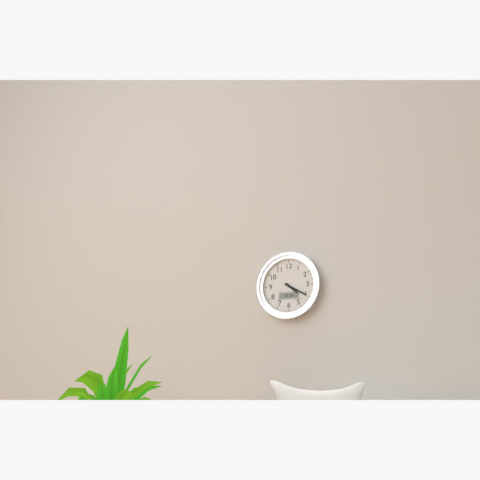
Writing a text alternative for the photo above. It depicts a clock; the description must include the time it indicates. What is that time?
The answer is 4:20
